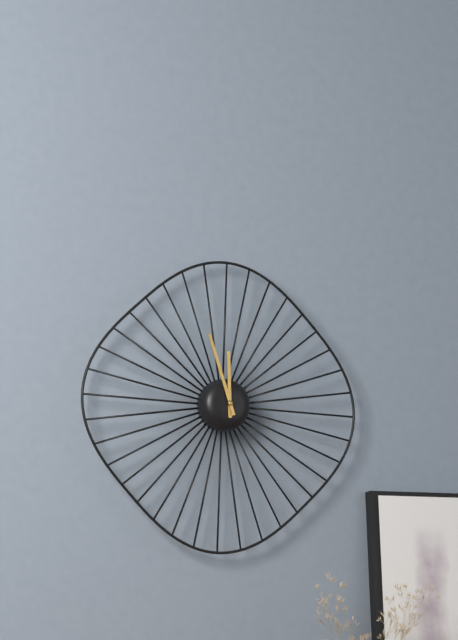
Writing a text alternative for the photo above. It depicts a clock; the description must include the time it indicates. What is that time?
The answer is 11:57
